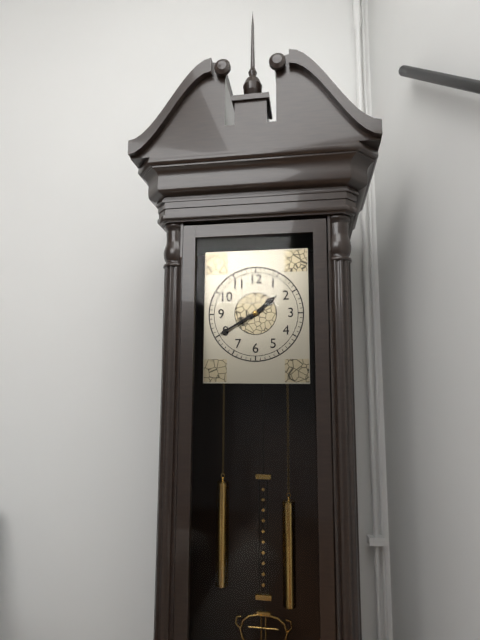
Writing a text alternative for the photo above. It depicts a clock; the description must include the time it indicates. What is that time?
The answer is 1:40
